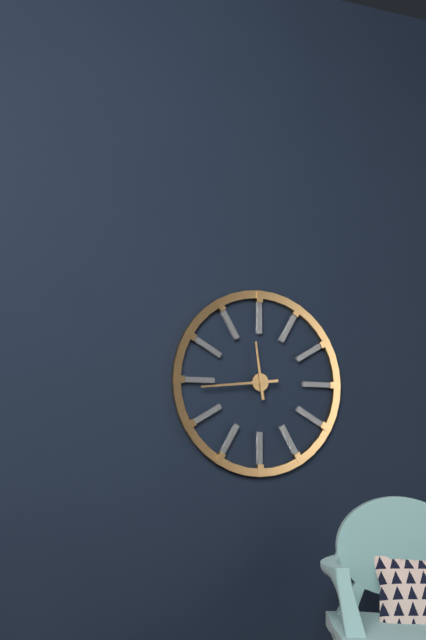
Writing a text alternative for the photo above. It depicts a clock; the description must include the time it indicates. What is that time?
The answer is 11:44
